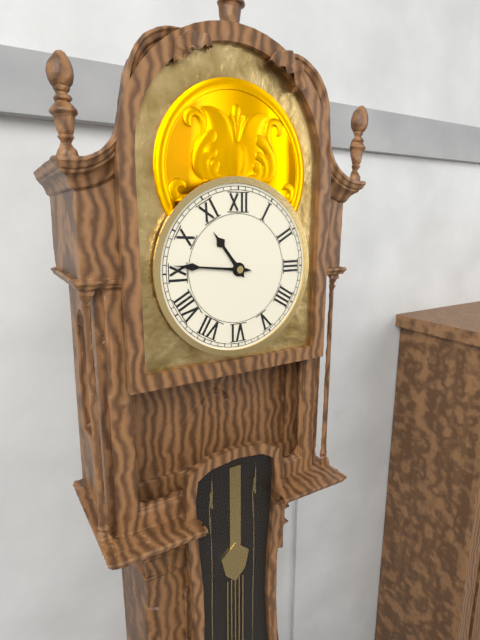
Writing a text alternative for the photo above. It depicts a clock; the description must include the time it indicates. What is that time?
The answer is 10:46
